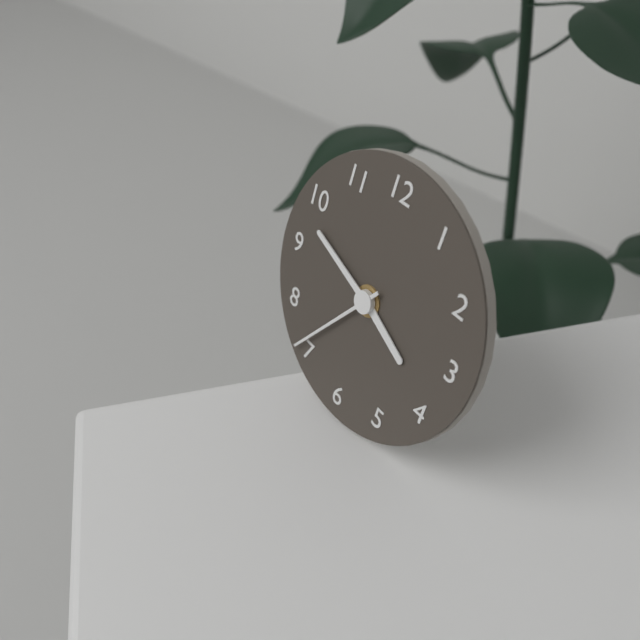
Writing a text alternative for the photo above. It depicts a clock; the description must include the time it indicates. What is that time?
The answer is 3:48:36
